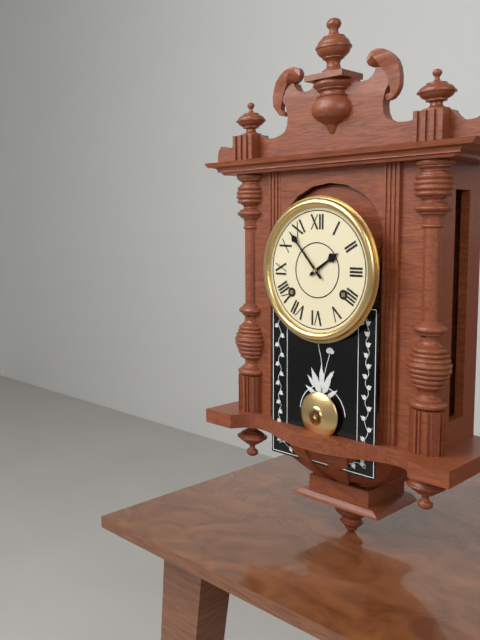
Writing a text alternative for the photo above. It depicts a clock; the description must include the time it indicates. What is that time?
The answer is 1:53
